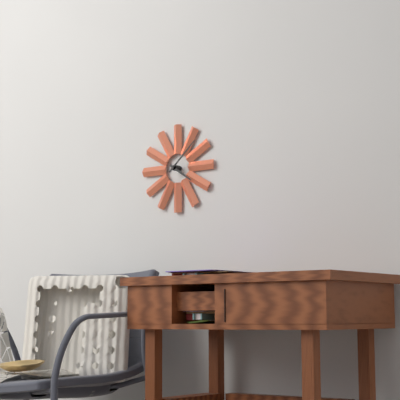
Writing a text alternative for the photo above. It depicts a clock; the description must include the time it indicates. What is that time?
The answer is 4:08
